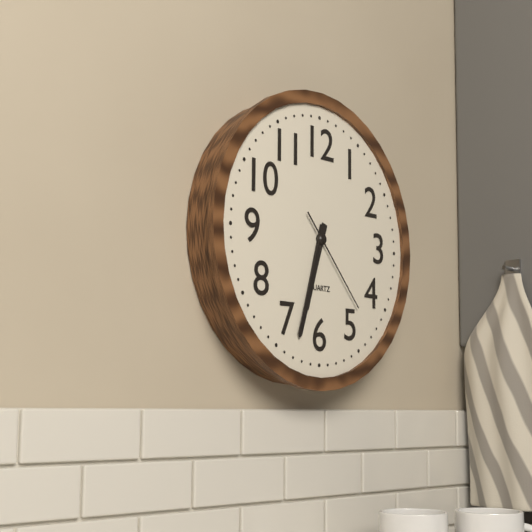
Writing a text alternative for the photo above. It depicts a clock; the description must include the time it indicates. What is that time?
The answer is 6:33:23
